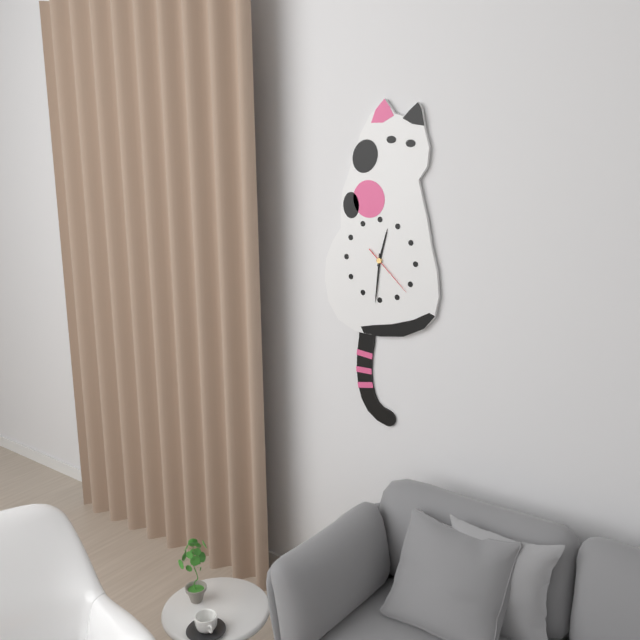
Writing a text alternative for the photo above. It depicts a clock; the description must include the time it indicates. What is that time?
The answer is 12:31:22
